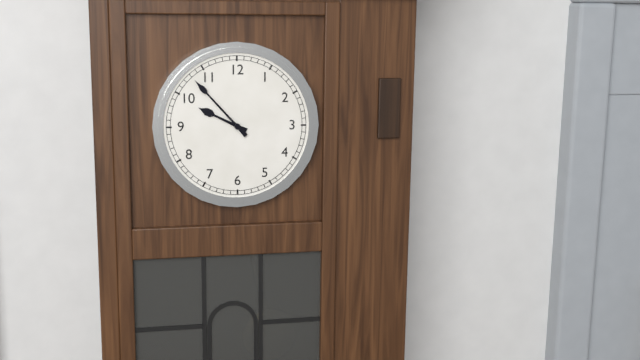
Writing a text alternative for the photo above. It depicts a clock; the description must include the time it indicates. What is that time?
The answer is 9:53
